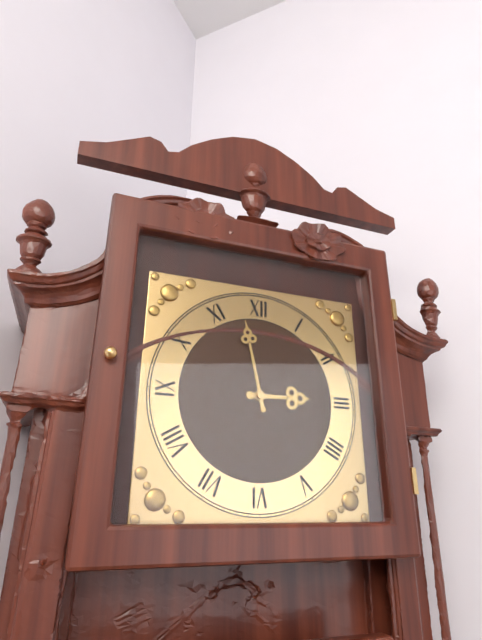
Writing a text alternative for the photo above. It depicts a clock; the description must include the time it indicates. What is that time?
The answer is 2:58
